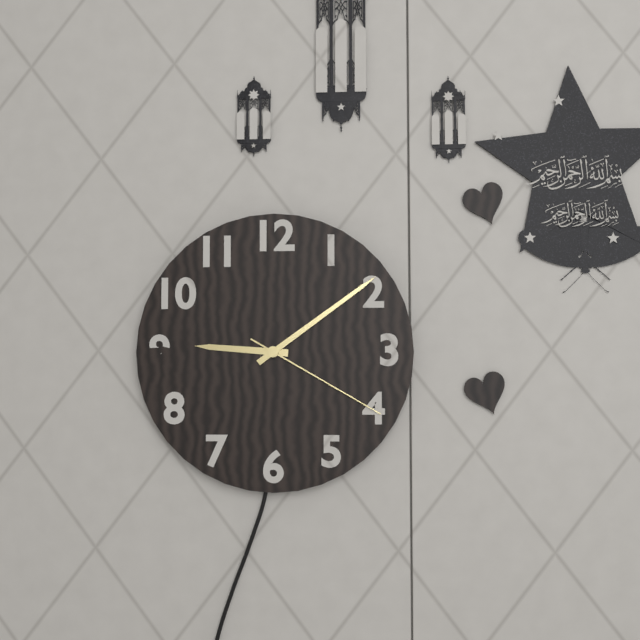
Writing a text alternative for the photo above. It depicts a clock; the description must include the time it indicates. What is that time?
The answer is 9:09:20
